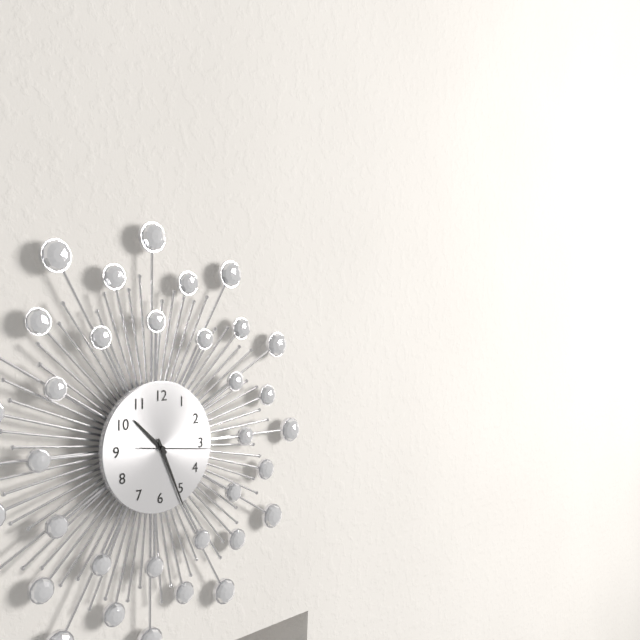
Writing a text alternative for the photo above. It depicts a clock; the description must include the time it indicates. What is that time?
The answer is 10:26:16
